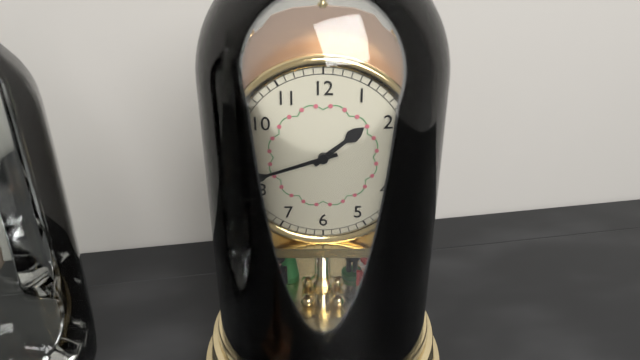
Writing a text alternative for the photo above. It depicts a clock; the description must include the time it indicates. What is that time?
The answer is 1:42
